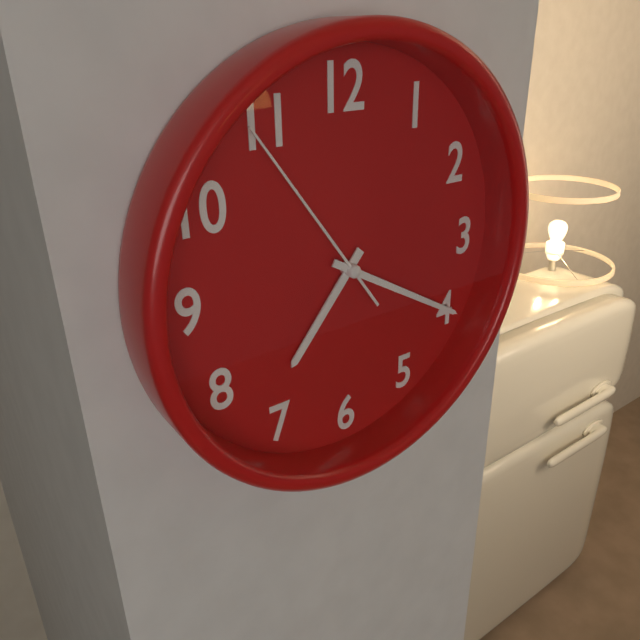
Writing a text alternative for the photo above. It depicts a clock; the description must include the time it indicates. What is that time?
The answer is 7:20:54
